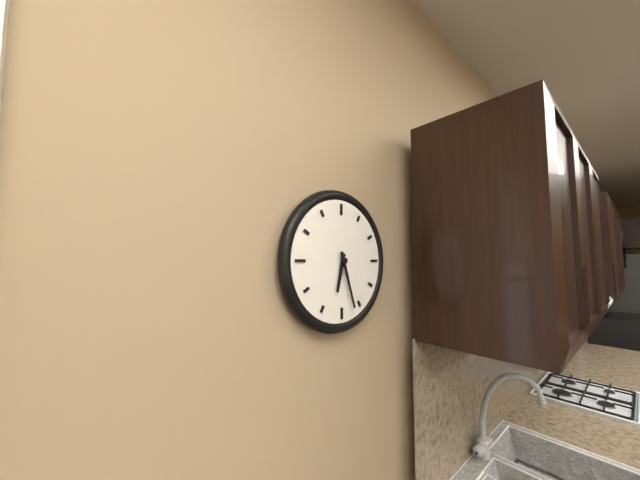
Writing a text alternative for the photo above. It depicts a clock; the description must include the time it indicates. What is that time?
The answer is 6:27
